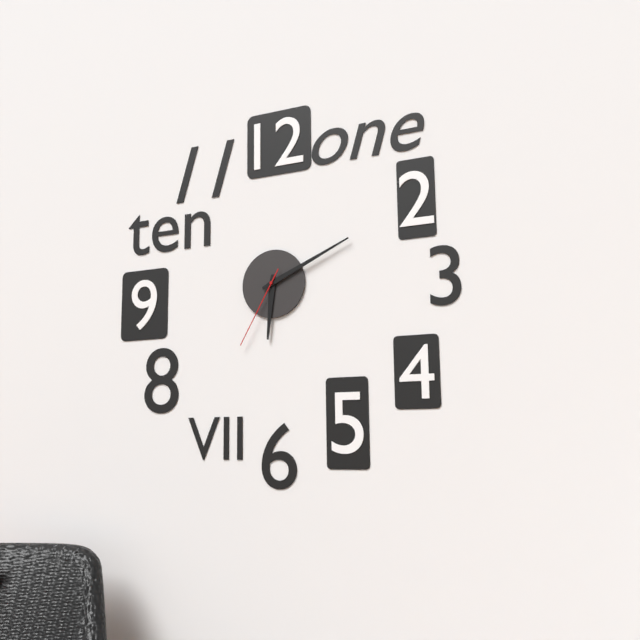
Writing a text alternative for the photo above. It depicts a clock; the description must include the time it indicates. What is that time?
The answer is 6:11:35
